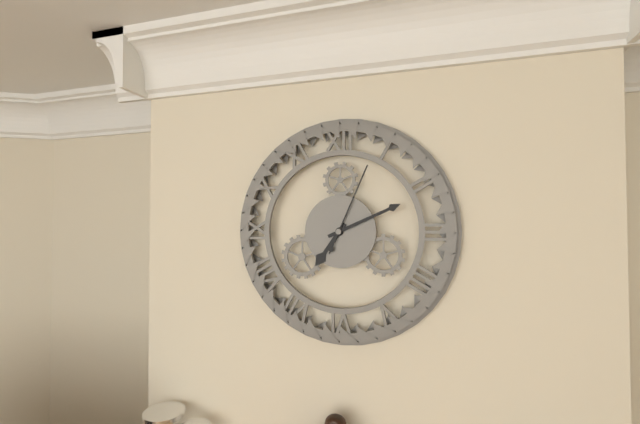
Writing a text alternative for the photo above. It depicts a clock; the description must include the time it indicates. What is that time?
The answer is 7:11:04
